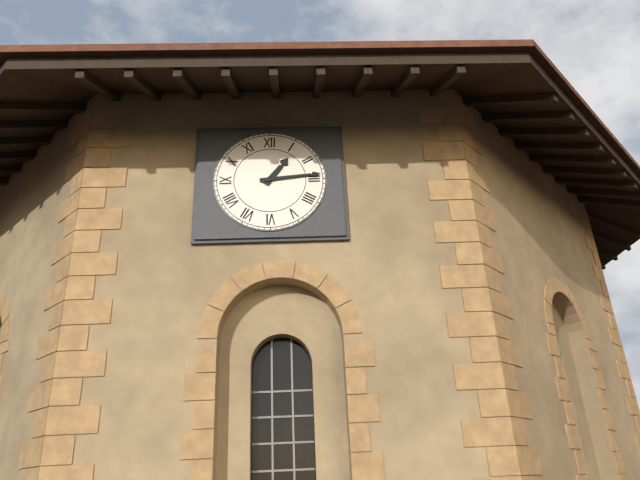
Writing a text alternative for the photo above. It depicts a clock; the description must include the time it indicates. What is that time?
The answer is 1:14
